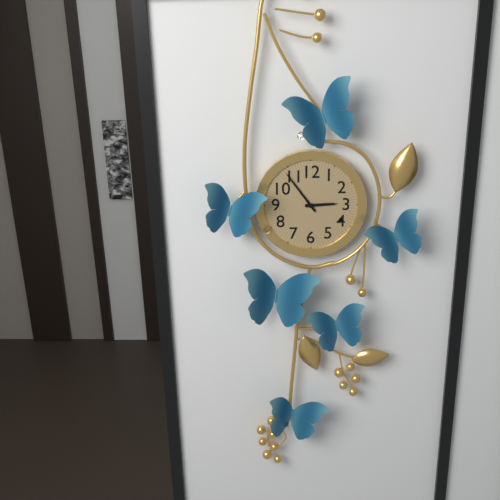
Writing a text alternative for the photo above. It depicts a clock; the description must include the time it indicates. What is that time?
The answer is 2:54
